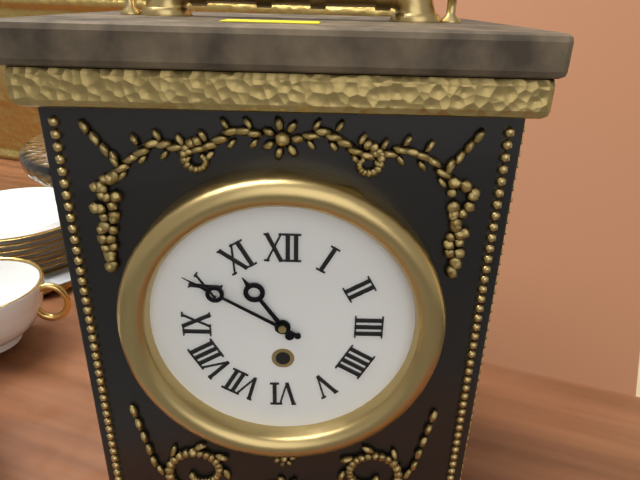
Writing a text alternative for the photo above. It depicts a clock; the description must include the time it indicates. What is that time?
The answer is 10:50
